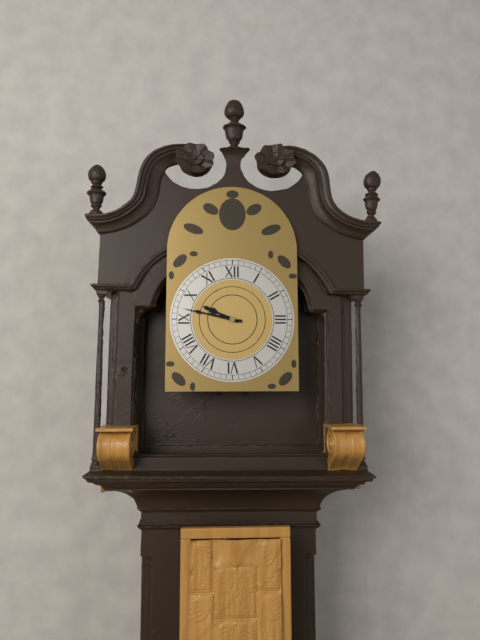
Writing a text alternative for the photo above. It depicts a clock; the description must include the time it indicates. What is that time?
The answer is 9:47
